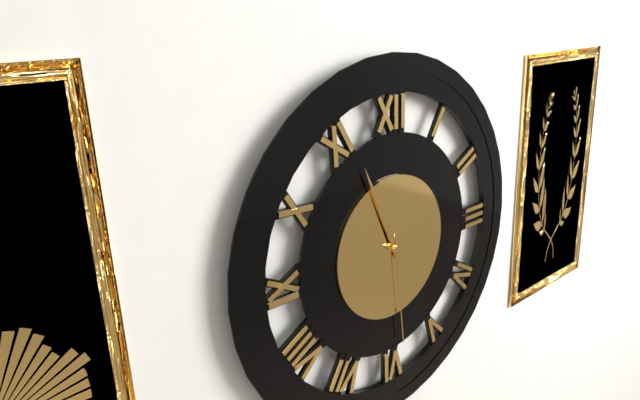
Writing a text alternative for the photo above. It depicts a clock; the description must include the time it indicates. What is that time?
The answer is 3:56:29
